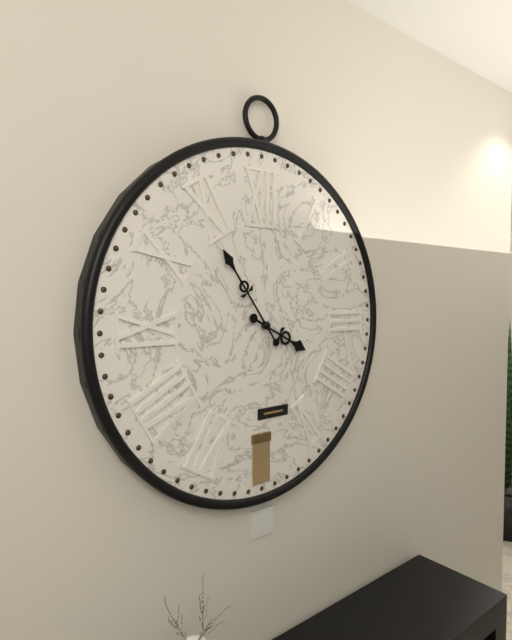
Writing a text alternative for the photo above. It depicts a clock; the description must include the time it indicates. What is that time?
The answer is 3:54
